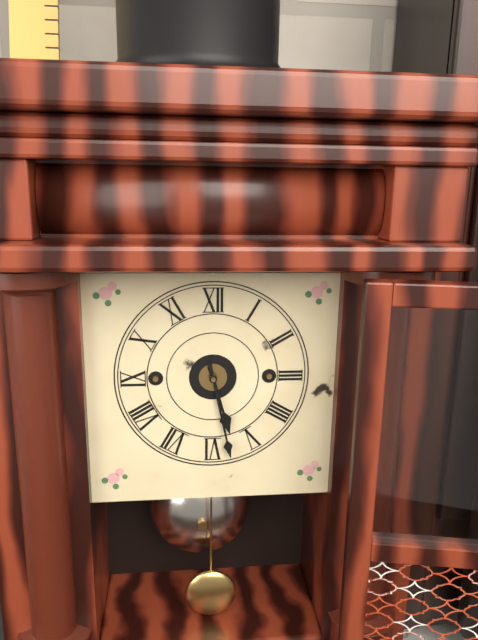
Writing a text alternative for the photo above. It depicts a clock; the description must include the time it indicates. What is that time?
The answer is 5:28
